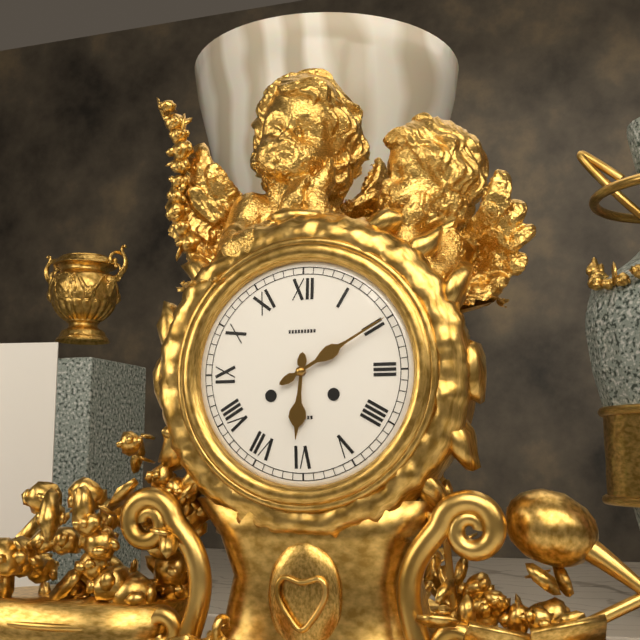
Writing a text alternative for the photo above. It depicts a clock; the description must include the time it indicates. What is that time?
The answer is 6:10
